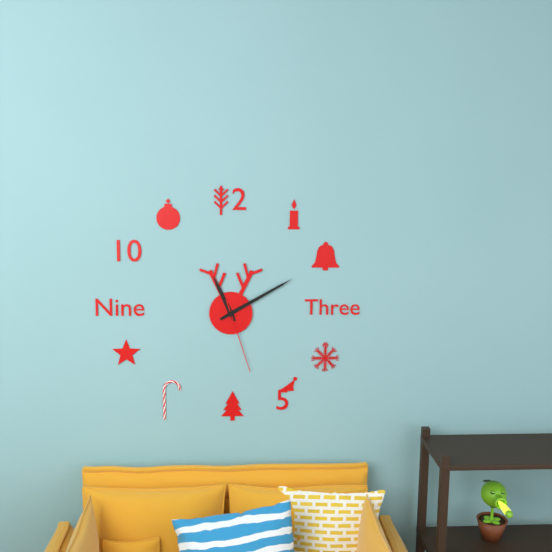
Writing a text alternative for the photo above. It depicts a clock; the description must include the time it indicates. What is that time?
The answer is 11:10:27
